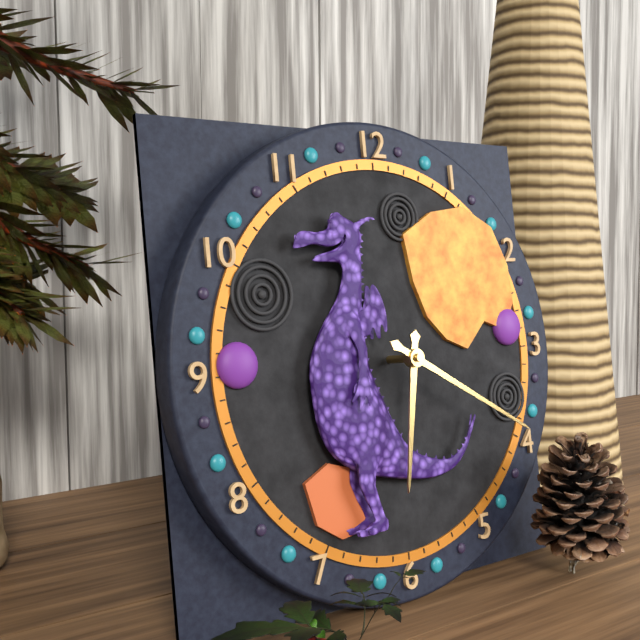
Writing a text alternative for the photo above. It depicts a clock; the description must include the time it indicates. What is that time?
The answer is 6:20
